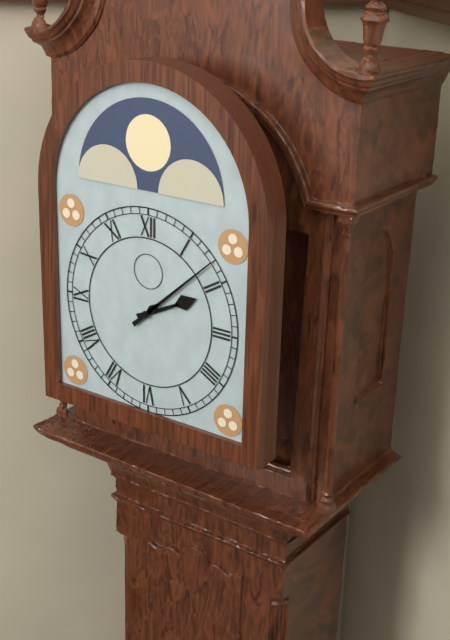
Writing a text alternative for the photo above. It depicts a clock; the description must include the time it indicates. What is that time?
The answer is 2:08
